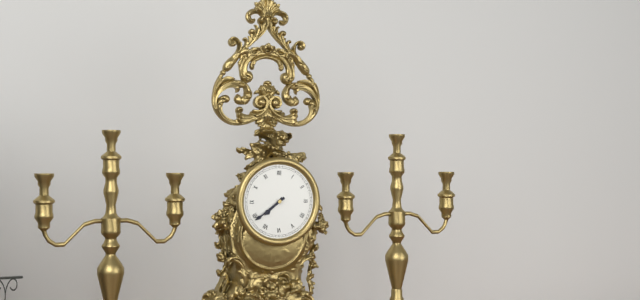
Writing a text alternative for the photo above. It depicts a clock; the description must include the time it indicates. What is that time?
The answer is 7:39
